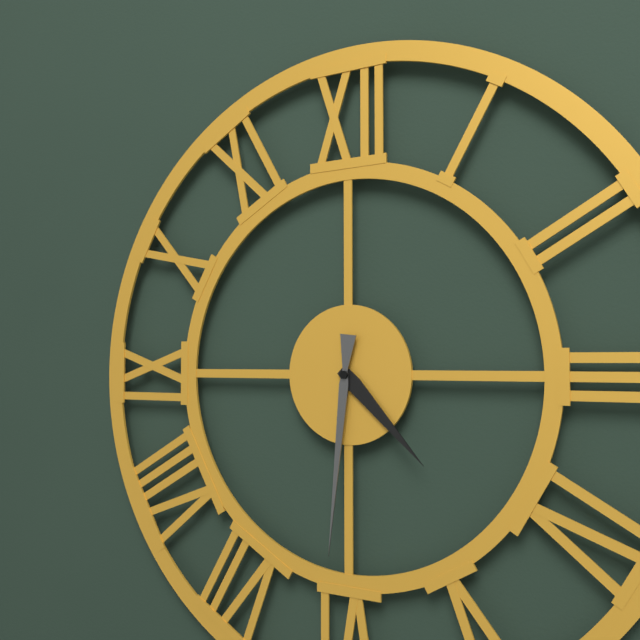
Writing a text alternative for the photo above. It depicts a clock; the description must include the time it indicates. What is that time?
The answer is 4:31
